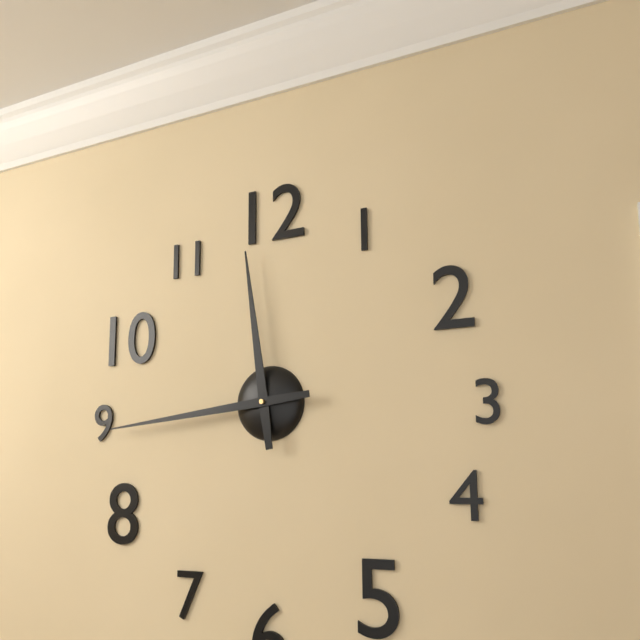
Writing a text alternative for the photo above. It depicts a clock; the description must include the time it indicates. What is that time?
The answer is 11:44
